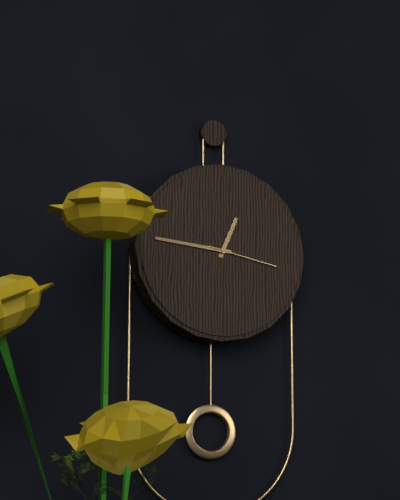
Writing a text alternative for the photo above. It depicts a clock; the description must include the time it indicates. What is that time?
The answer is 12:46:17
